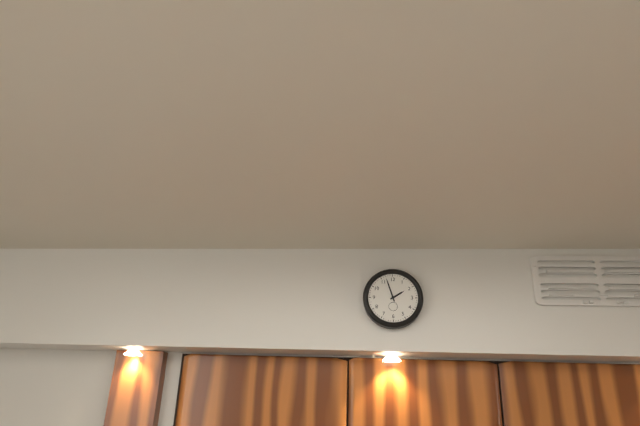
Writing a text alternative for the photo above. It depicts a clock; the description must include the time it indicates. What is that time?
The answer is 1:57
